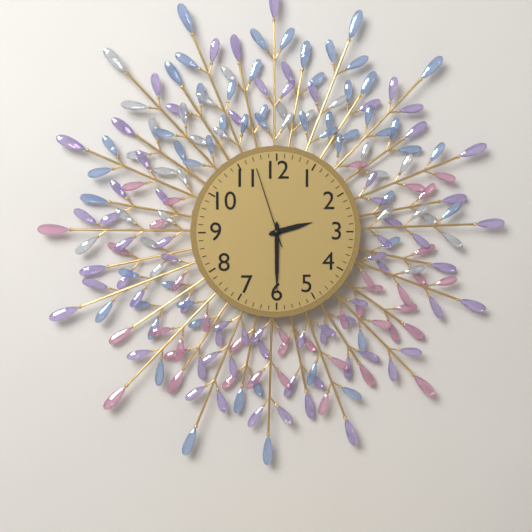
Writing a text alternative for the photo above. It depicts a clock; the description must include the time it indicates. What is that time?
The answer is 2:30:57
